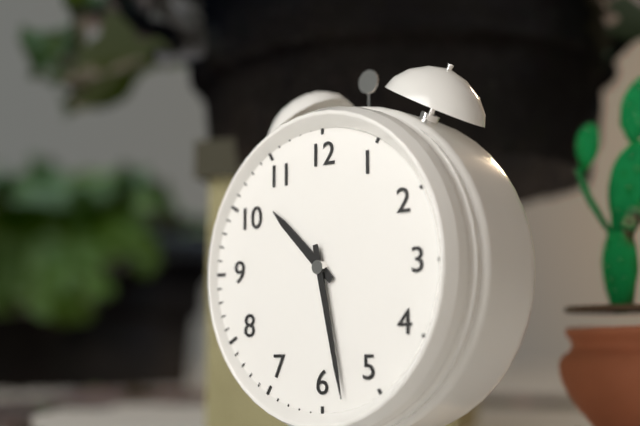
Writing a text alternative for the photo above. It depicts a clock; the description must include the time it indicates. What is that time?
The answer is 10:28
